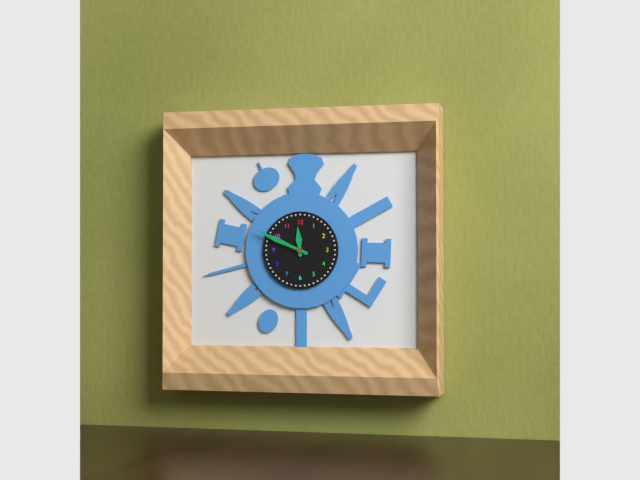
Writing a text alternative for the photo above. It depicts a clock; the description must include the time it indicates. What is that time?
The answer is 11:49
